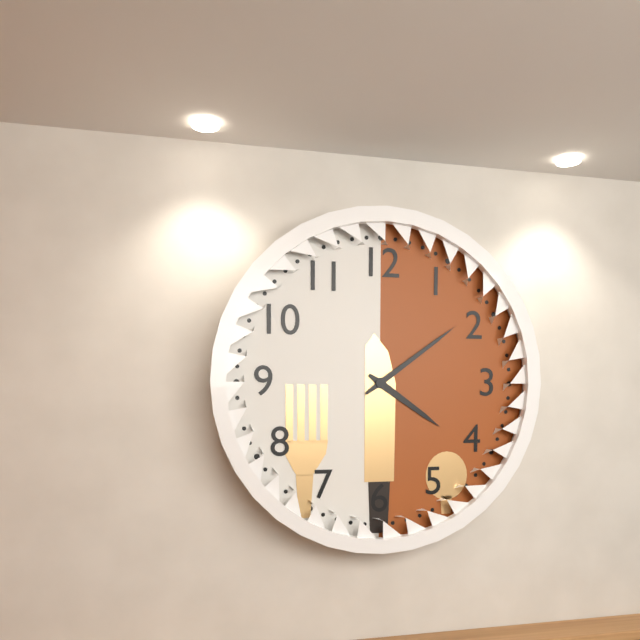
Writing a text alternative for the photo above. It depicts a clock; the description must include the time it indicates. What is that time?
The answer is 4:09
